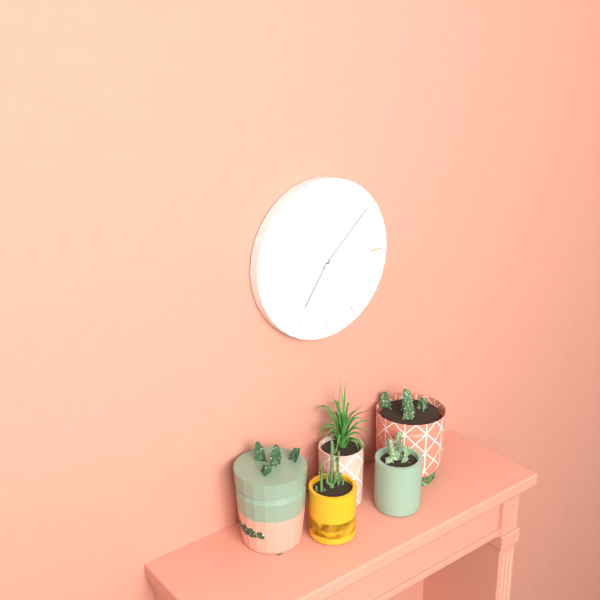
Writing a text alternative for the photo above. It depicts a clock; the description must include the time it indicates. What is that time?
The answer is 7:08
